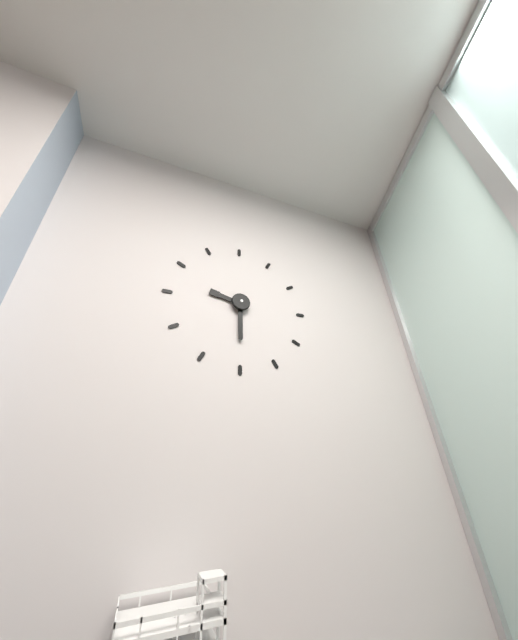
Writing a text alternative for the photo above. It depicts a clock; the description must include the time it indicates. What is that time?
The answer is 9:30
